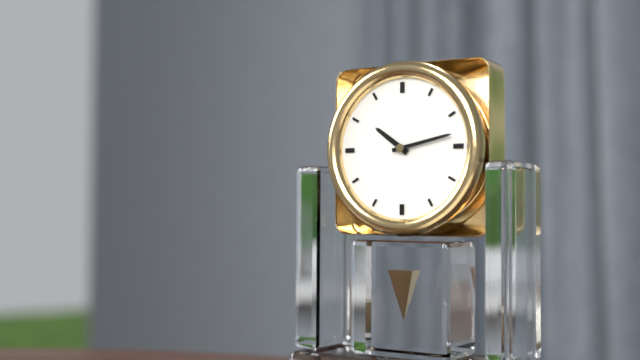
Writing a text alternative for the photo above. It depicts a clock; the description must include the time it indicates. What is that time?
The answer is 10:13
